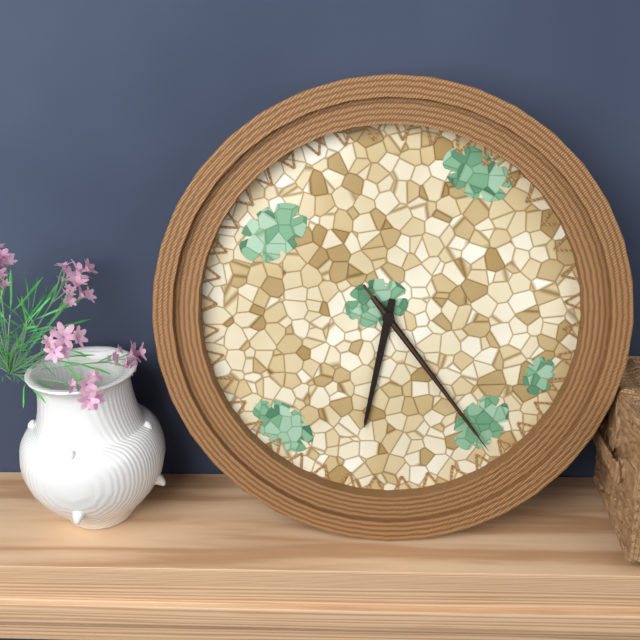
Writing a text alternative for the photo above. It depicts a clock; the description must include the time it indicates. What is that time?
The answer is 6:24:24
